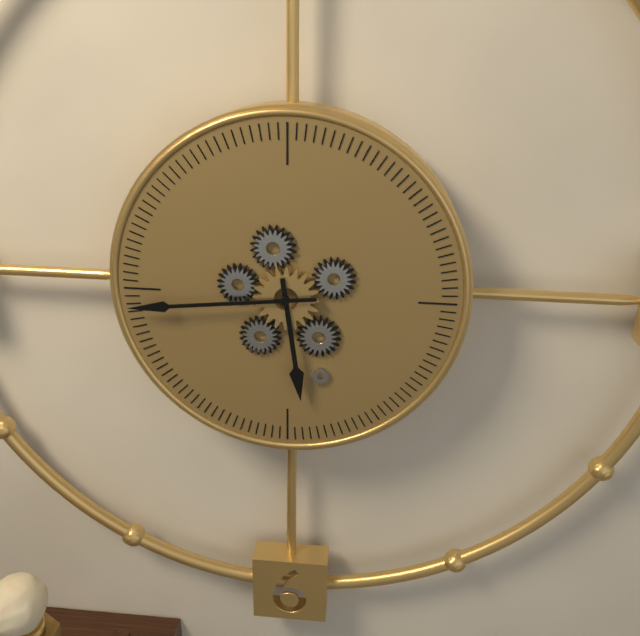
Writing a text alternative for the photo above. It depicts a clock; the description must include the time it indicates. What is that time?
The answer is 5:44
